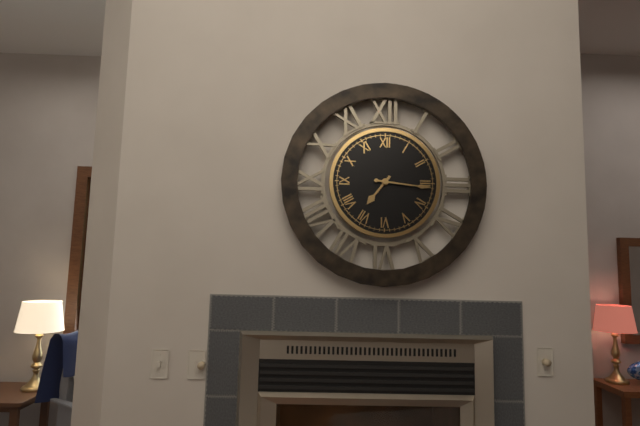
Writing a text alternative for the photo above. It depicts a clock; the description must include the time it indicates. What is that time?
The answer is 7:16
